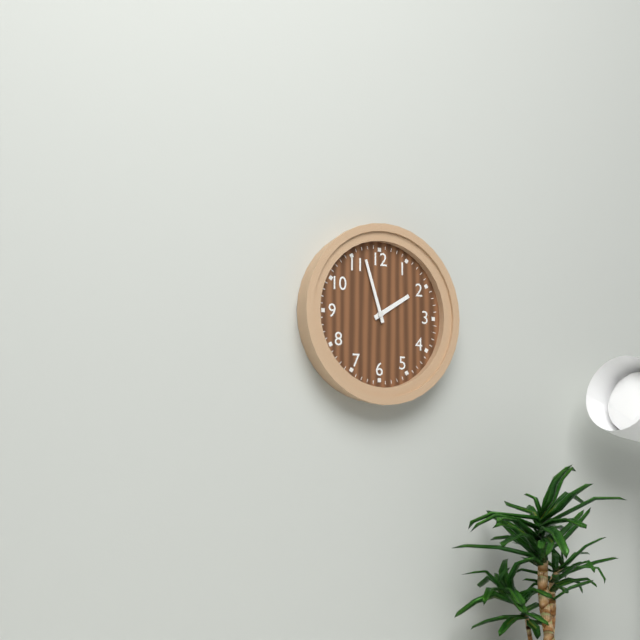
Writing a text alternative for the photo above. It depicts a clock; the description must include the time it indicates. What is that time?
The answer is 1:57
